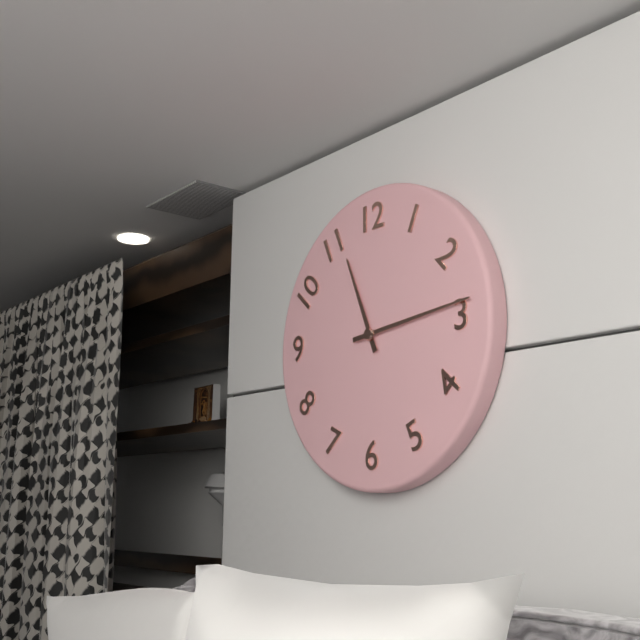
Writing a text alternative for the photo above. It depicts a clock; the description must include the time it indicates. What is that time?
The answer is 11:14
